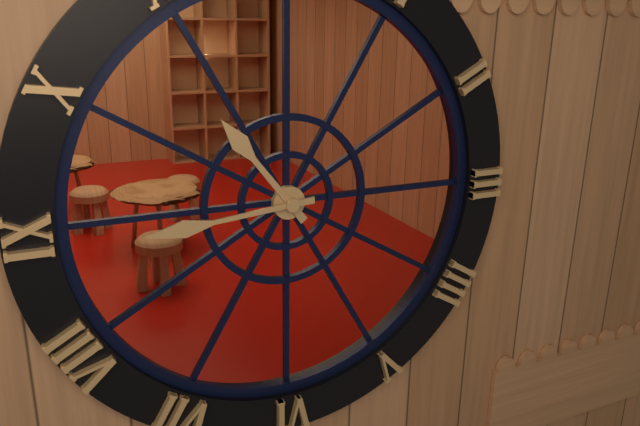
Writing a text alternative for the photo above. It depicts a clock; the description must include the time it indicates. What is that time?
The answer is 10:44
